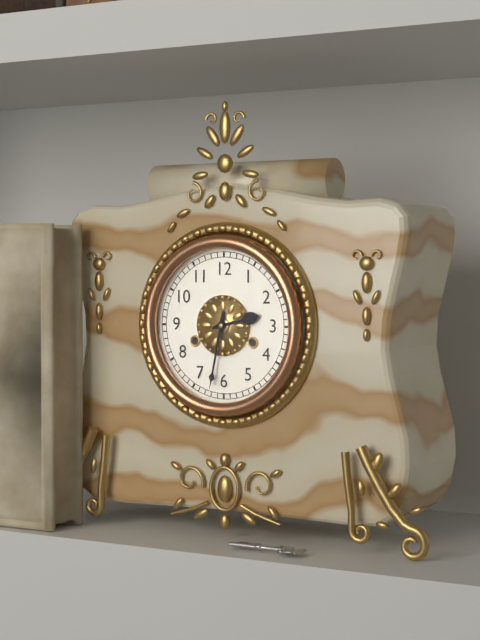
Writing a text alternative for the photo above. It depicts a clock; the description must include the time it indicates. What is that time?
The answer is 2:32
